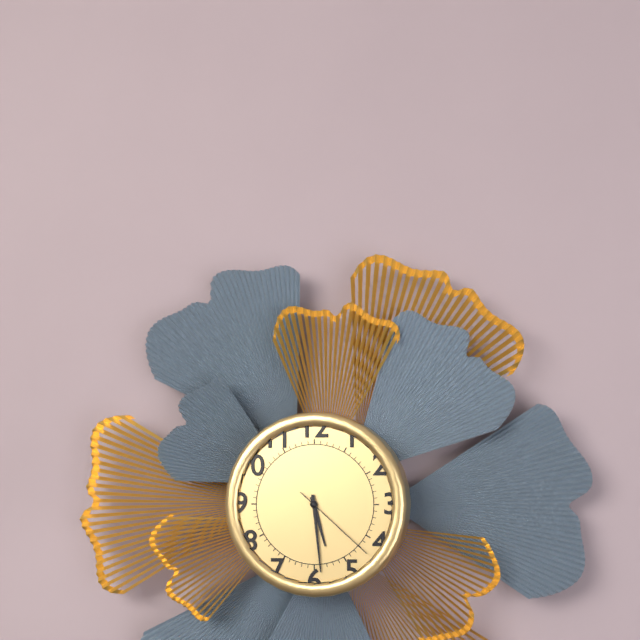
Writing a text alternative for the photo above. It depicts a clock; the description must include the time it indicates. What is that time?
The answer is 5:29:22
